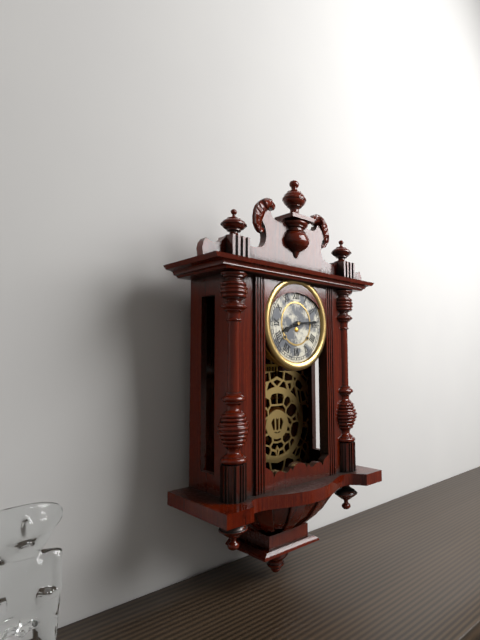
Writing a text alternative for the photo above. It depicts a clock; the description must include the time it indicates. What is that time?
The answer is 8:14
